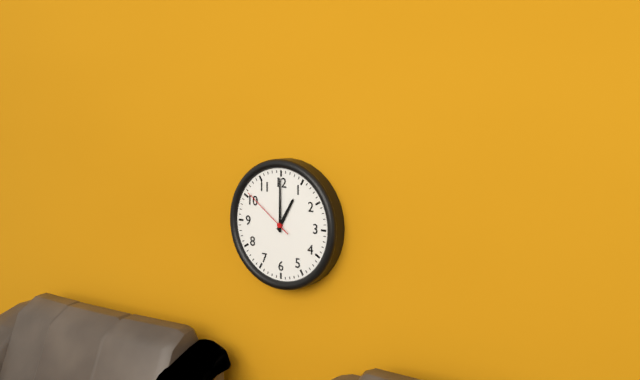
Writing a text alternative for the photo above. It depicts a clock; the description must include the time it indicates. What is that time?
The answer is 1:00:51
